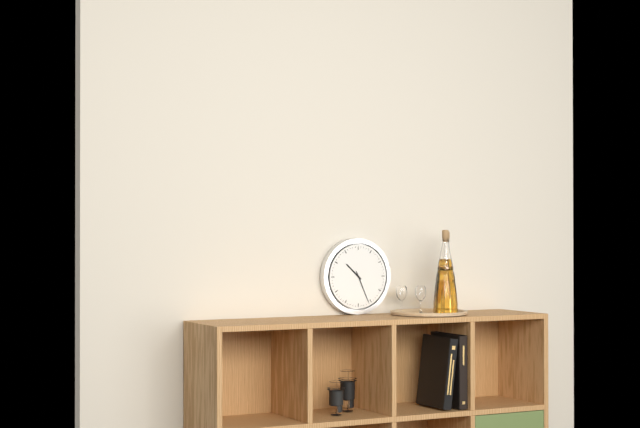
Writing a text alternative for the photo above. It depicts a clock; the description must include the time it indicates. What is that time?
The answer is 10:26
